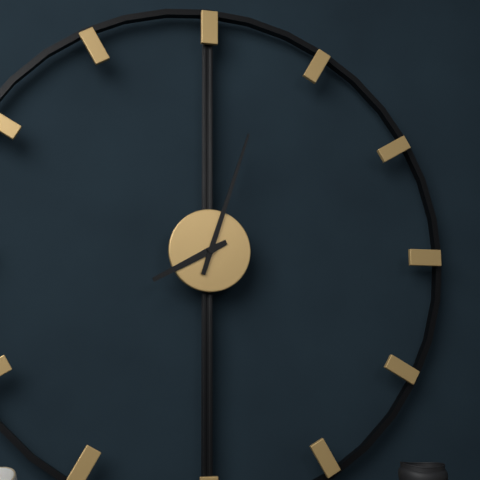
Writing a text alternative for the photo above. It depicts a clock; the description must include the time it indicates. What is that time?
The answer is 8:03
